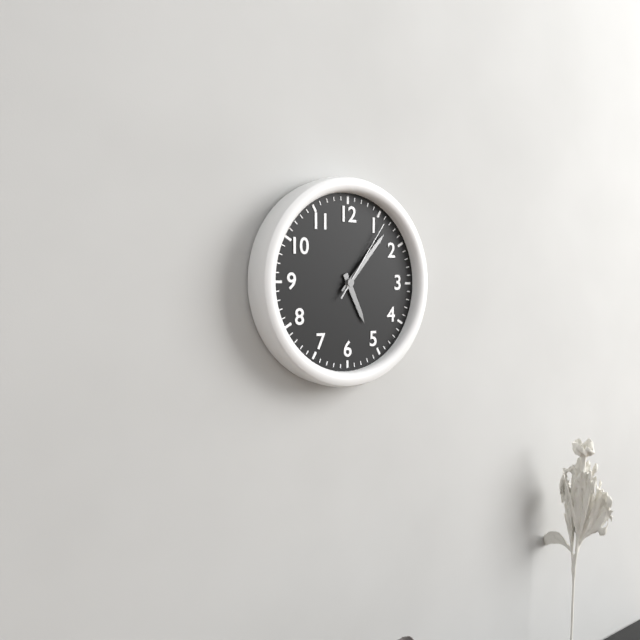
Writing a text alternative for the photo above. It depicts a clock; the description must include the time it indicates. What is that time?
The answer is 5:07:06
